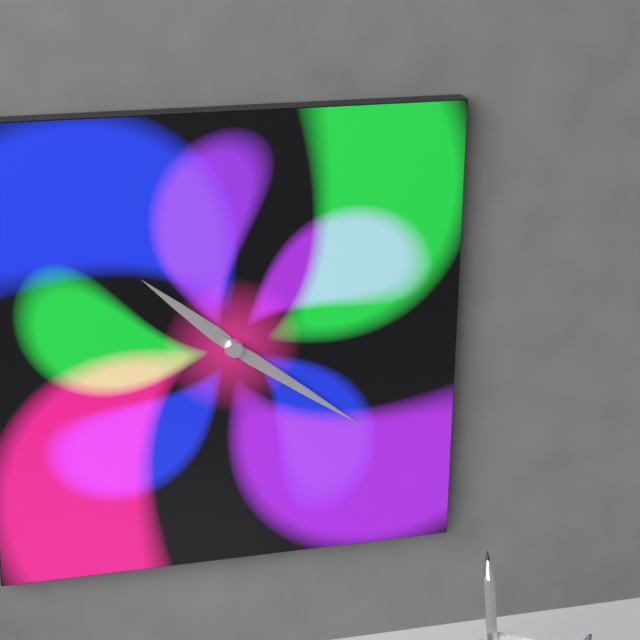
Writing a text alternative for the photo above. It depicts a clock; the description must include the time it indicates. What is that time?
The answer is 10:21
